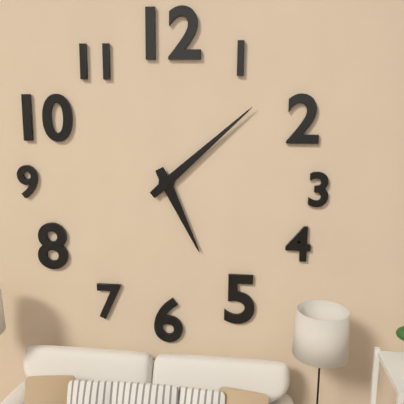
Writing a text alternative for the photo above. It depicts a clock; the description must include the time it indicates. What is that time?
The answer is 5:08
